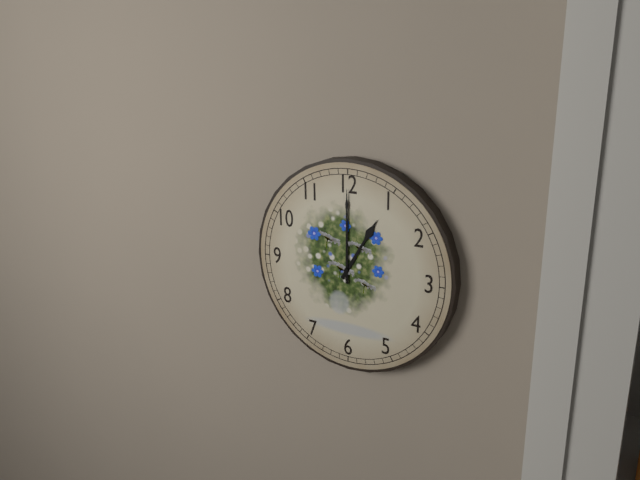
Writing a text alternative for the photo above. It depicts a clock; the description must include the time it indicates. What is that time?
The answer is 1:00
